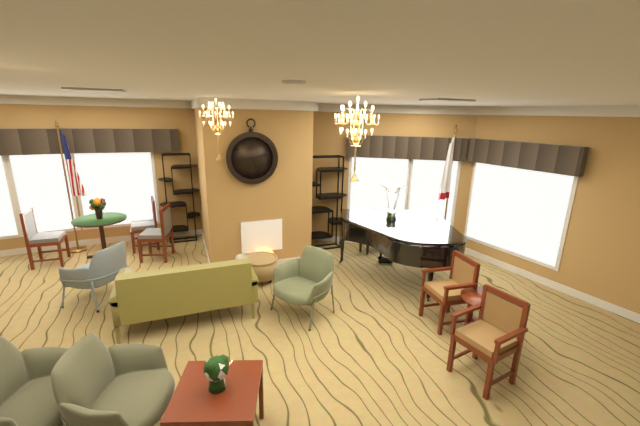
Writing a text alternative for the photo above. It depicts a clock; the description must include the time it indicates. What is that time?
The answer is 5:13
